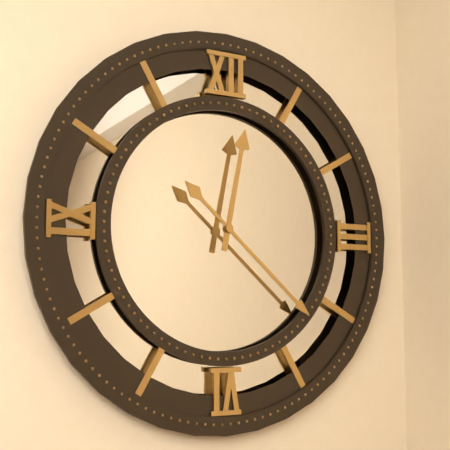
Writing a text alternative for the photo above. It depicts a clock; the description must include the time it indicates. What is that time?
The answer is 12:22
